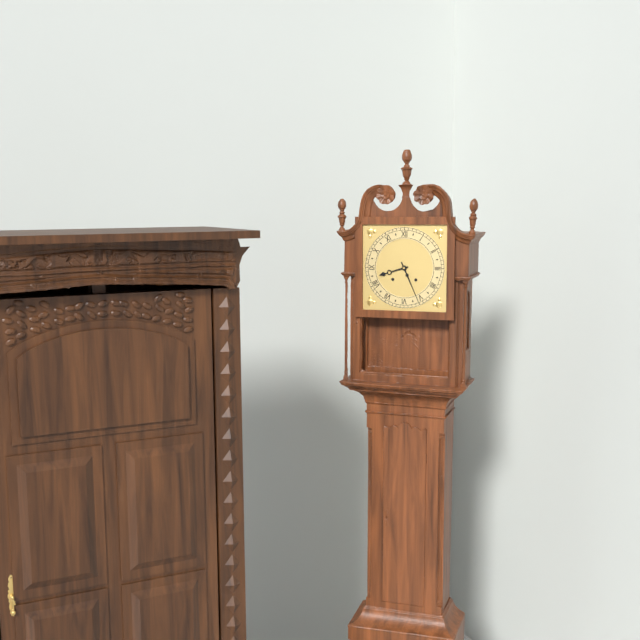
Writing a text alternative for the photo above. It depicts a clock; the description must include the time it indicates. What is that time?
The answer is 8:26
